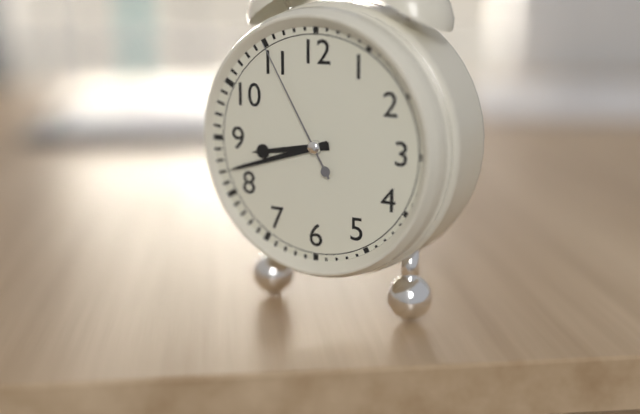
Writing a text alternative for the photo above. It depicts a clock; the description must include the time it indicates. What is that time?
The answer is 8:42:55
